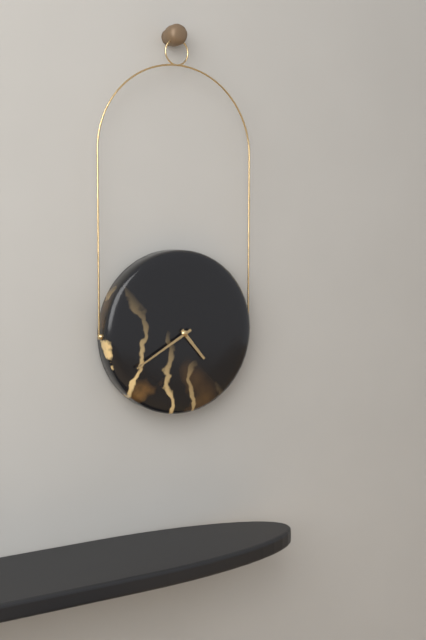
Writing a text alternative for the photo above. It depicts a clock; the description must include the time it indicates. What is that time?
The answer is 4:40
